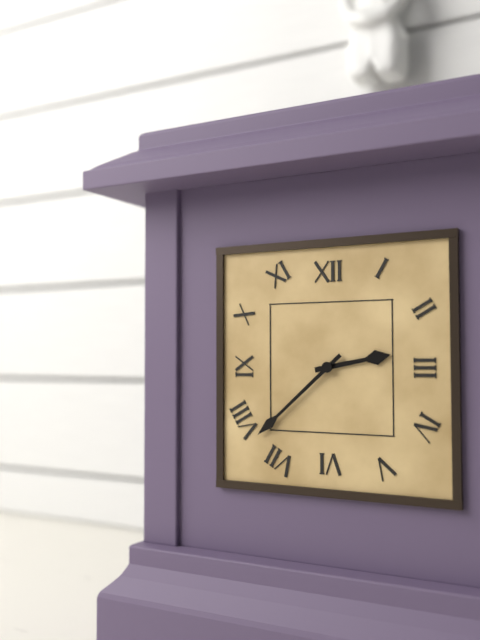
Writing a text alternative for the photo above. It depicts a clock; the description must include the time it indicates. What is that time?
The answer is 2:38
